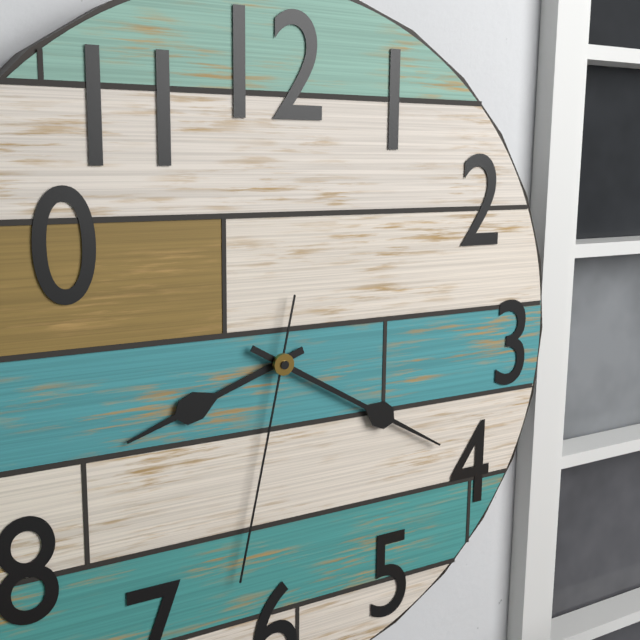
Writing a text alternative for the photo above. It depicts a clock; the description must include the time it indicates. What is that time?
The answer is 8:20:32
